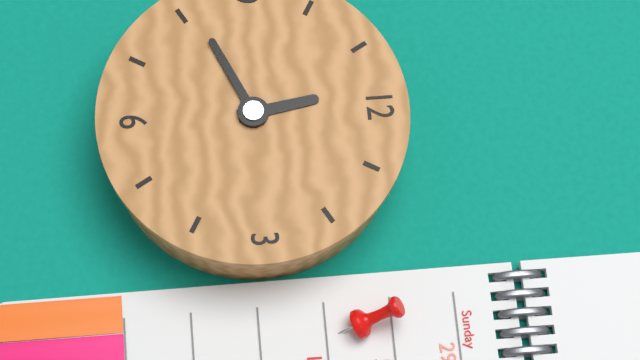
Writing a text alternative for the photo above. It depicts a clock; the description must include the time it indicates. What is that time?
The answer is 11:41
